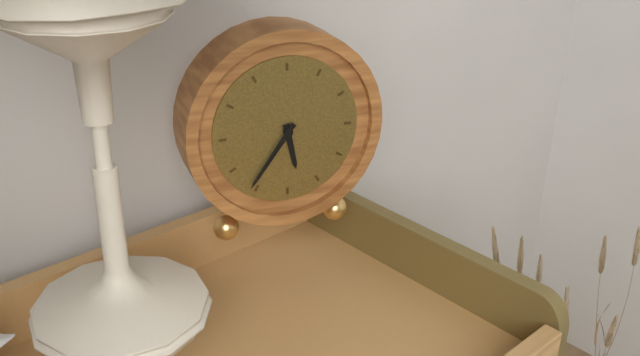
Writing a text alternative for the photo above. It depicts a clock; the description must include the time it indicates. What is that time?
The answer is 5:36
